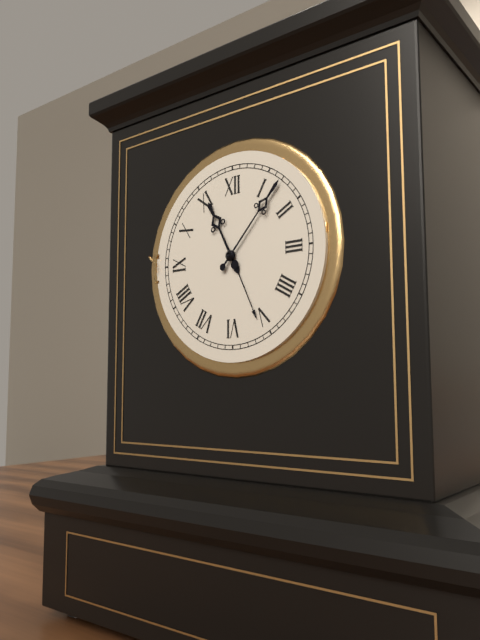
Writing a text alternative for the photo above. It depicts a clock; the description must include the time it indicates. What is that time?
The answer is 11:07
